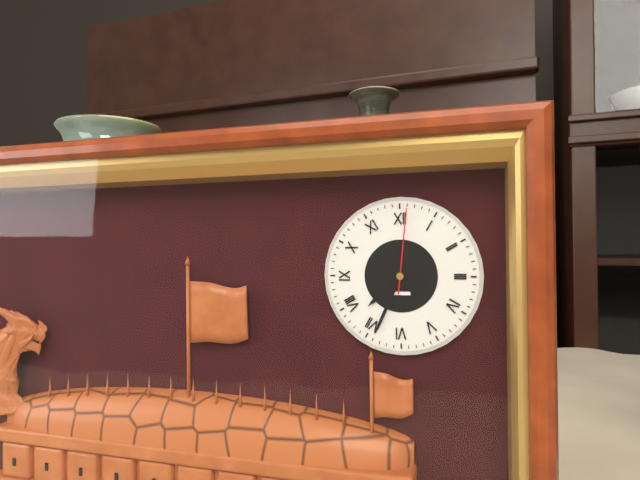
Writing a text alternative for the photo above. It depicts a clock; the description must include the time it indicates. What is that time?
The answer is 7:34:01
